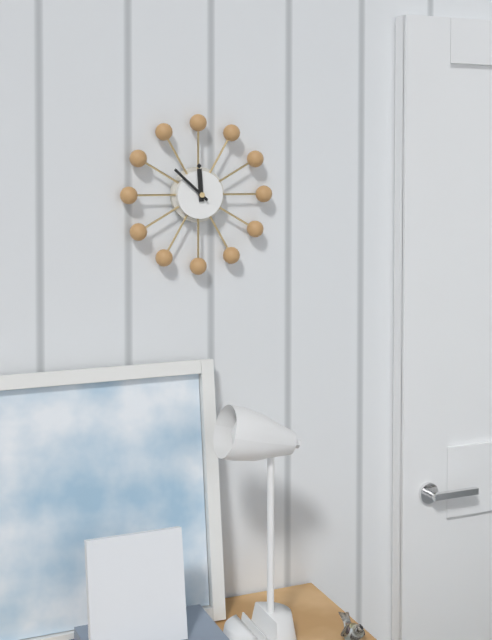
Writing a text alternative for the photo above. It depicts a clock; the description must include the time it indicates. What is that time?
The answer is 11:52
